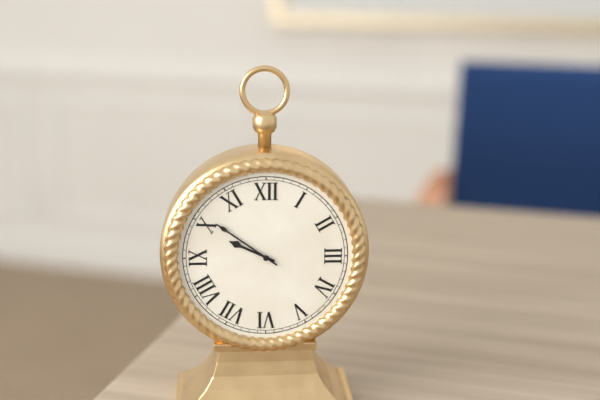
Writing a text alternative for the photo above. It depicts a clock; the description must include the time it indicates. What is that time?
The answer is 9:51
